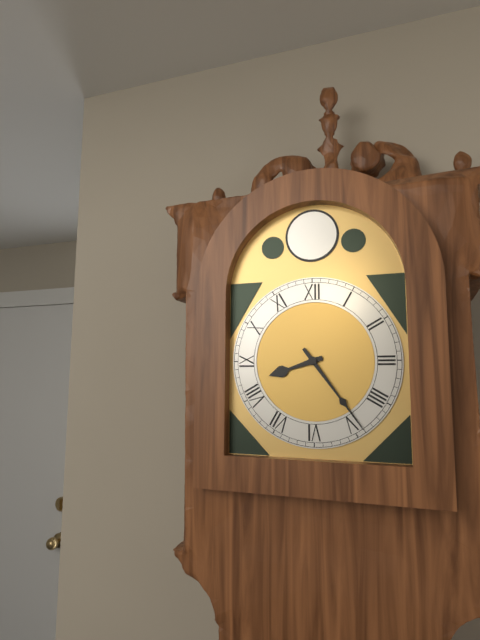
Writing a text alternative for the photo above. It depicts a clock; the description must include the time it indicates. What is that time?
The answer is 8:24
